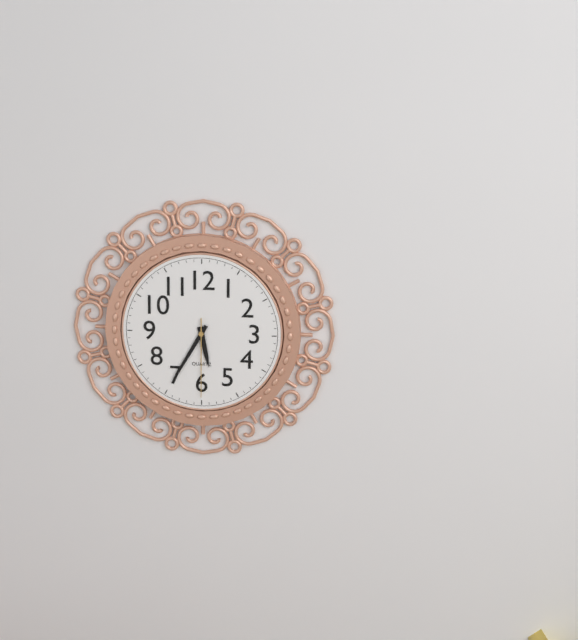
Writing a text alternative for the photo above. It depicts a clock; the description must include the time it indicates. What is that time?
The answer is 5:35:30
